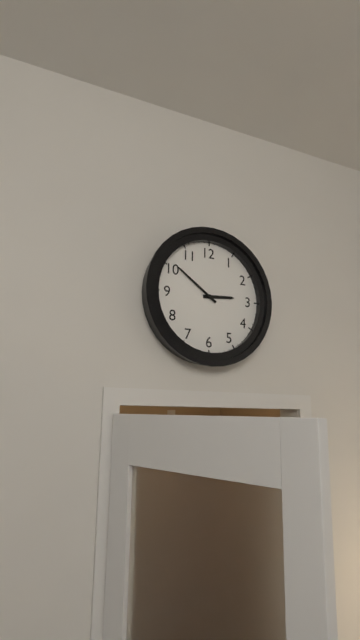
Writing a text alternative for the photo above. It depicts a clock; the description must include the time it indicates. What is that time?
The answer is 2:51
